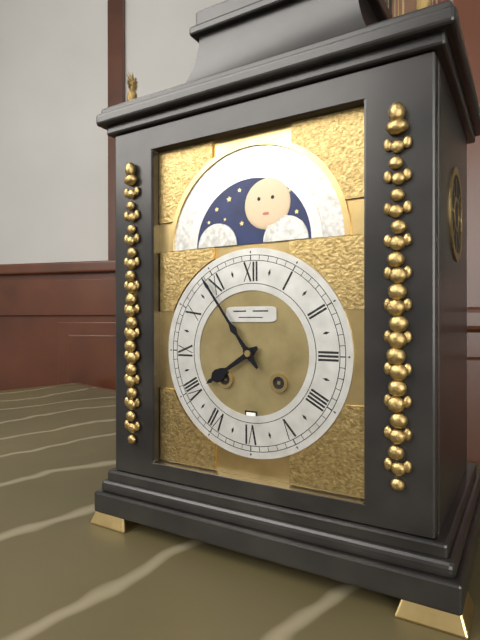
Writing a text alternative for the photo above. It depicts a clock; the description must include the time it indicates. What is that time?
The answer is 7:54
